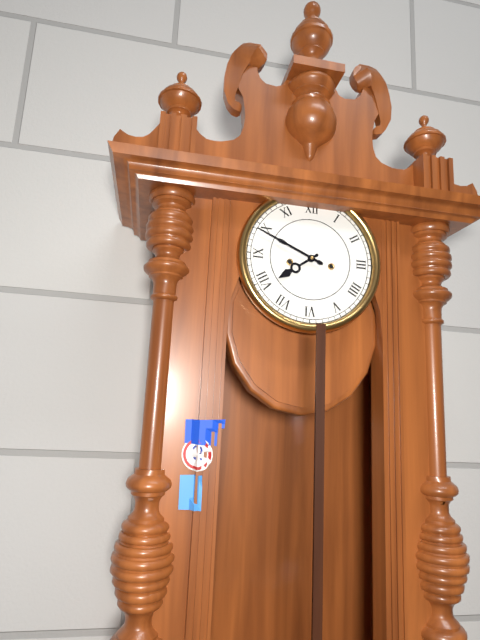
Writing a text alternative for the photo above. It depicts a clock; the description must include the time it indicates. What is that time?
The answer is 7:49
